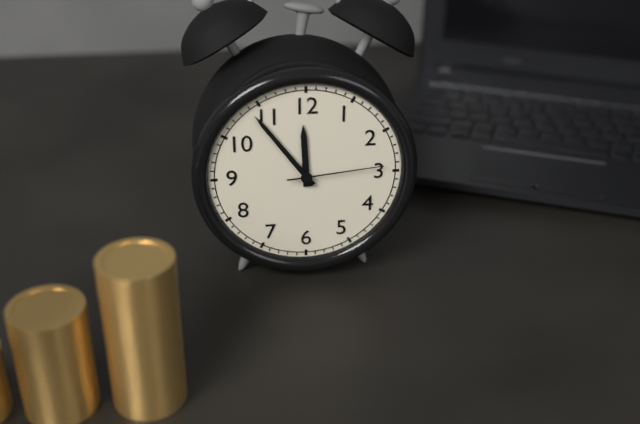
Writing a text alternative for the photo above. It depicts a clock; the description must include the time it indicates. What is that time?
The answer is 11:54:14
